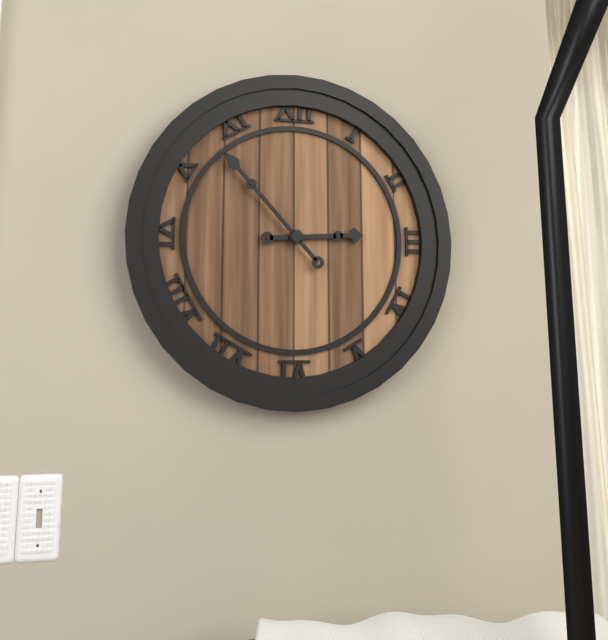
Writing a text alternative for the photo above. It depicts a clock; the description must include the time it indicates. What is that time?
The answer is 2:53
